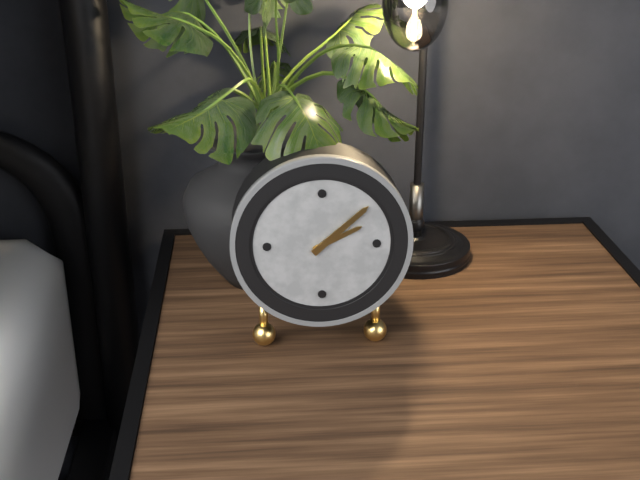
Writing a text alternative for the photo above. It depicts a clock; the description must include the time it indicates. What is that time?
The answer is 2:08
